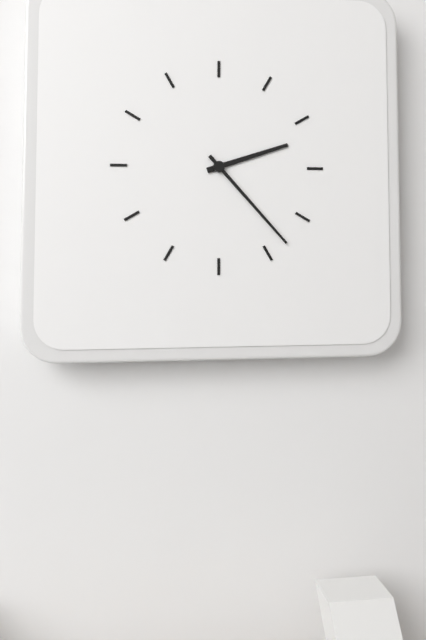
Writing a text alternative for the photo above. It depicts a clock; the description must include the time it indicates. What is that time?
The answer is 2:23
